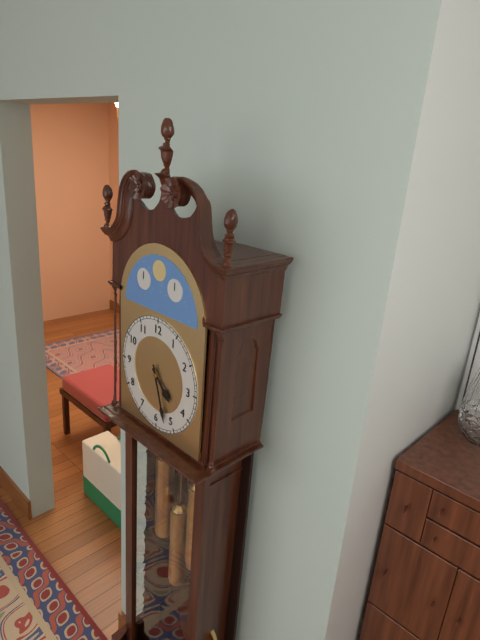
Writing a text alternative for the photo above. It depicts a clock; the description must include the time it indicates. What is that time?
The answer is 4:27
